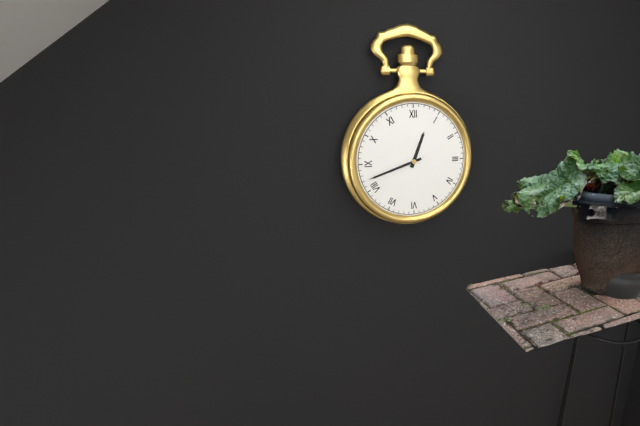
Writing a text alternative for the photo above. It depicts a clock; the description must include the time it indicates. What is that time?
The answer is 12:42
